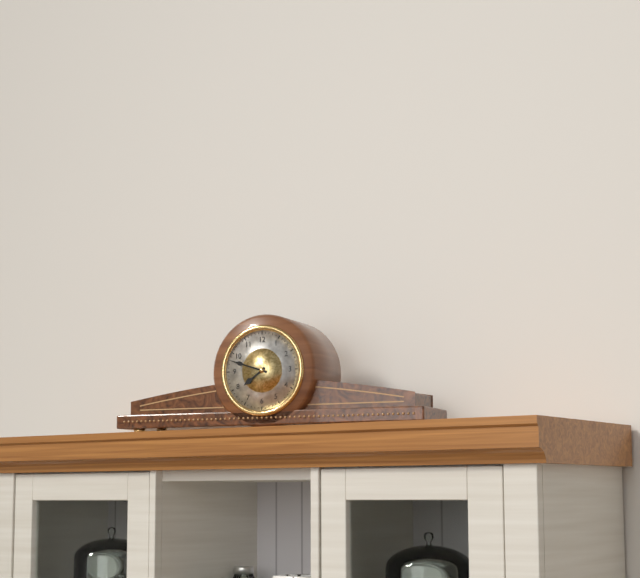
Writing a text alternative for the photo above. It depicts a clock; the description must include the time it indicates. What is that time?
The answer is 7:48
